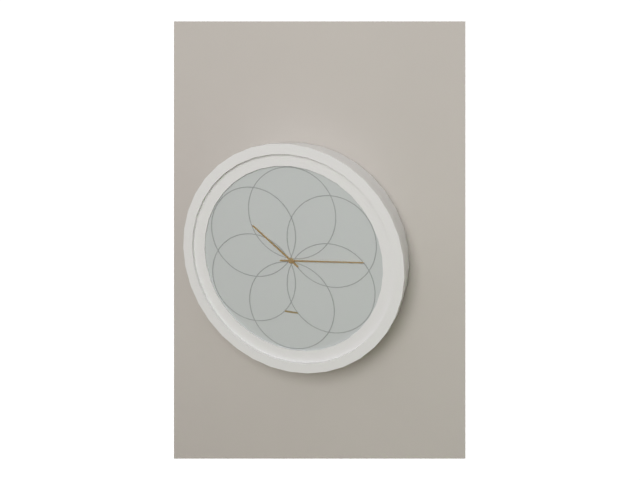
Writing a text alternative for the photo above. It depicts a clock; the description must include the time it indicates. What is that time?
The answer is 10:14
